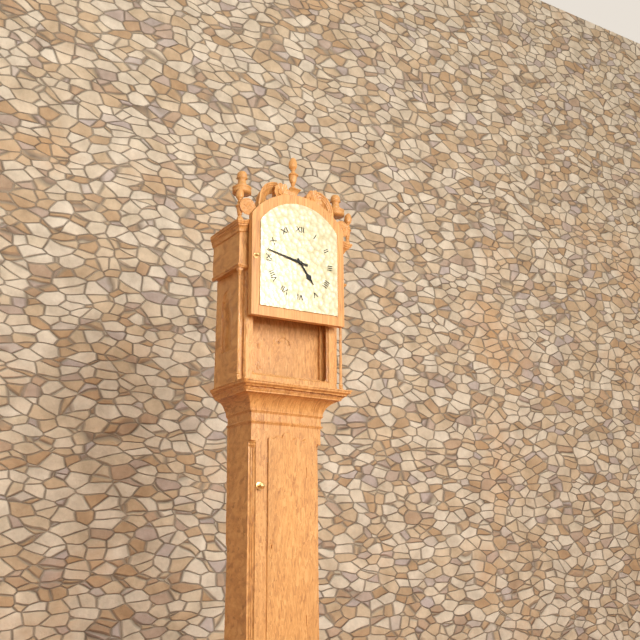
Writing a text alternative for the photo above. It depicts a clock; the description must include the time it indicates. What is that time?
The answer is 4:47
